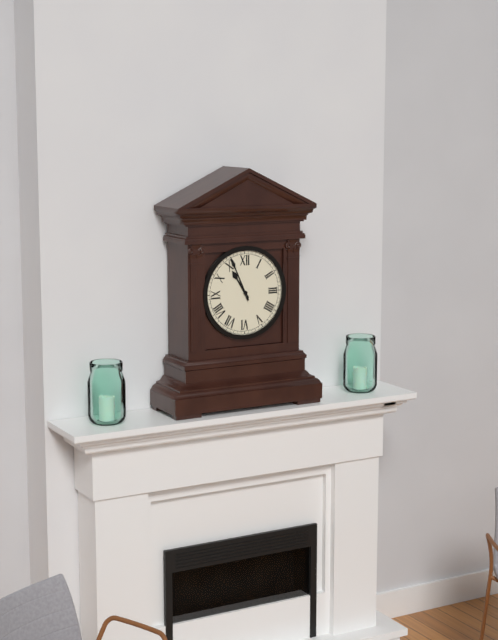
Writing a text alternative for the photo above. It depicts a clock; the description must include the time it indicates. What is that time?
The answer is 10:56
